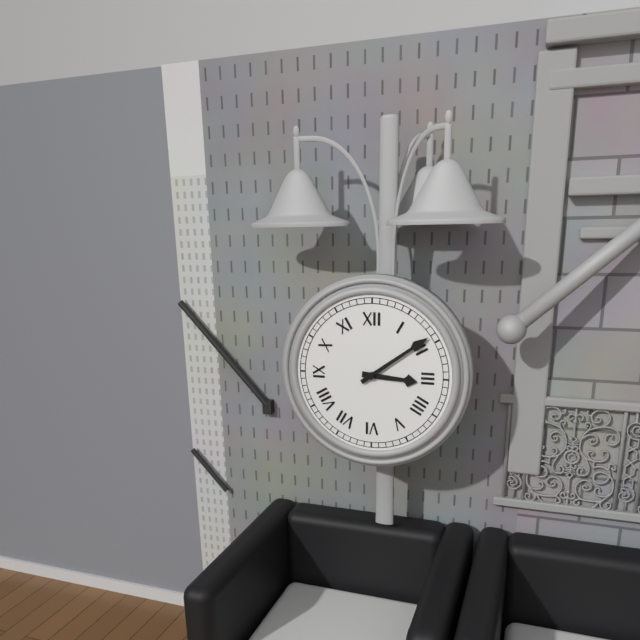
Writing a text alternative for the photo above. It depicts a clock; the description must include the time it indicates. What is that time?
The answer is 3:09
